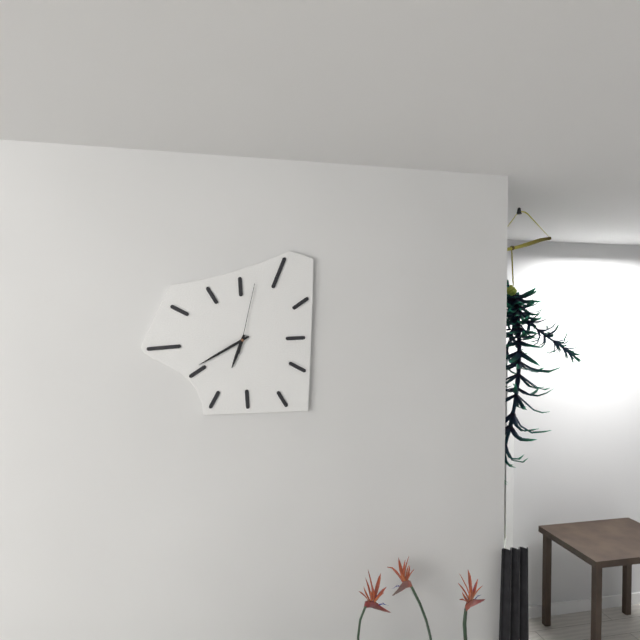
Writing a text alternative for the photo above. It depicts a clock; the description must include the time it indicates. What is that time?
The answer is 6:40:02
